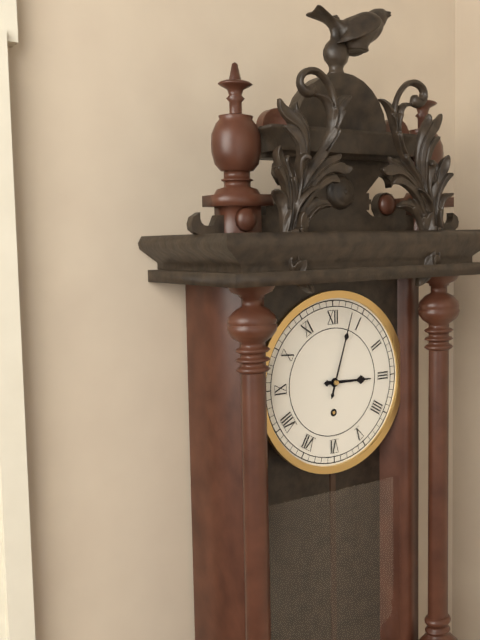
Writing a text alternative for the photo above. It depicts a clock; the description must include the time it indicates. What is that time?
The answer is 3:03
